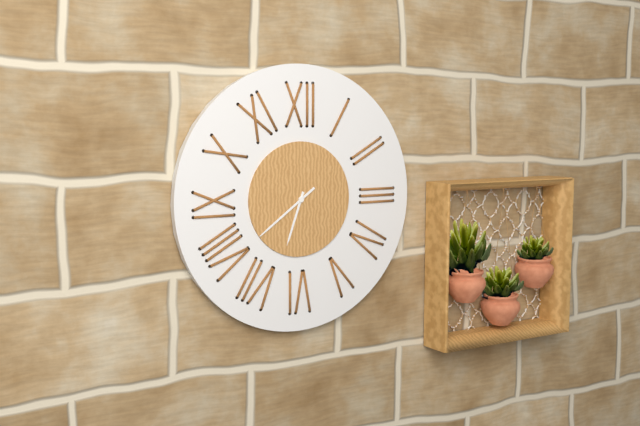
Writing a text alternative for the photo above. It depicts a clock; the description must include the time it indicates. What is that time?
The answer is 6:39
